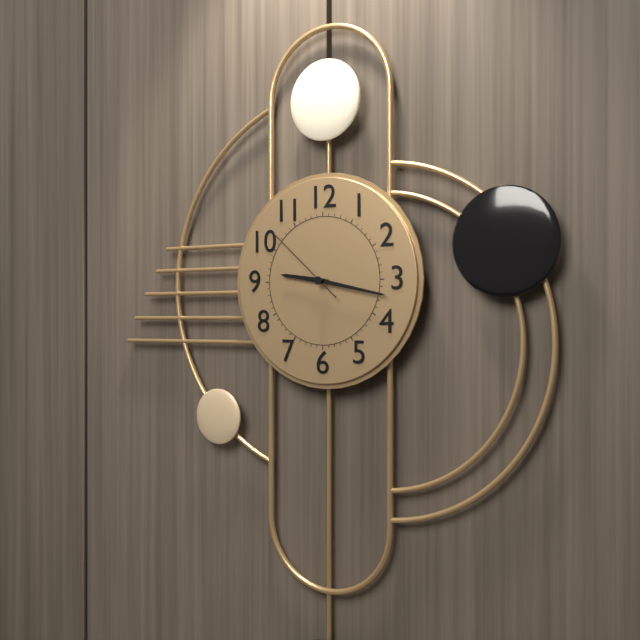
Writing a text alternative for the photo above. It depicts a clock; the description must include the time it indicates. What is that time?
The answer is 9:17:52
